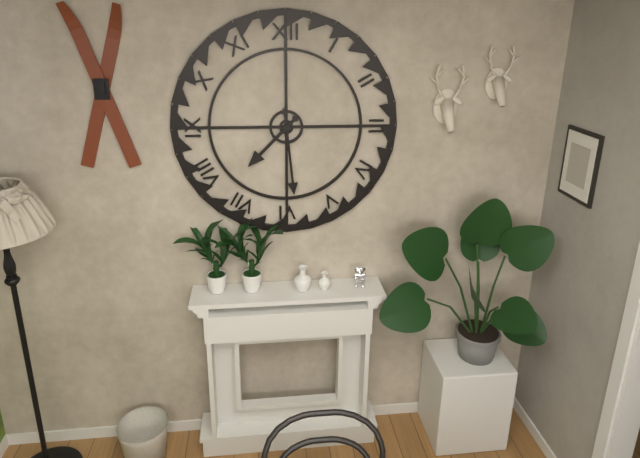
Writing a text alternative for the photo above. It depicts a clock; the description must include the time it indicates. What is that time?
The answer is 7:29
